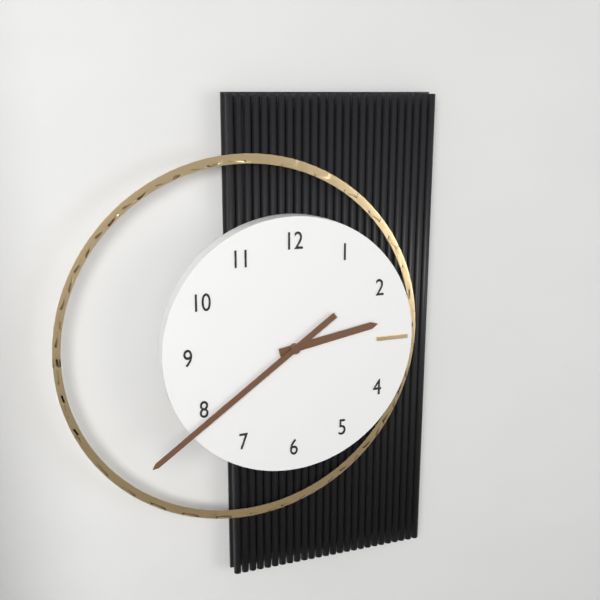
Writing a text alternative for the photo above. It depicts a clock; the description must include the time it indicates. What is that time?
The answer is 2:39
